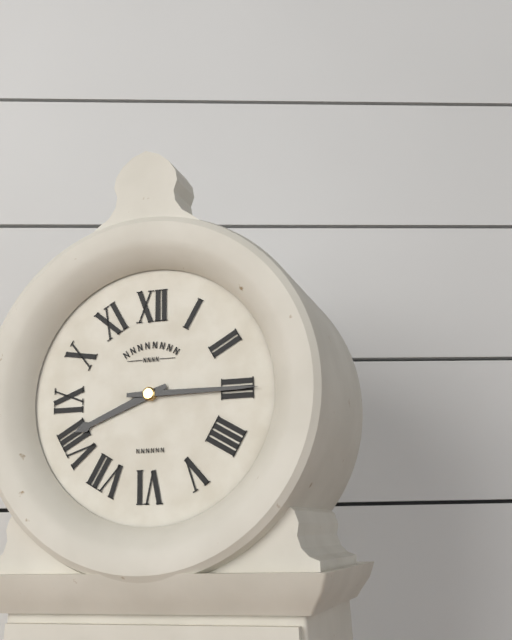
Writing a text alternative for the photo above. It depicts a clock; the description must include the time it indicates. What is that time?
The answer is 8:15
